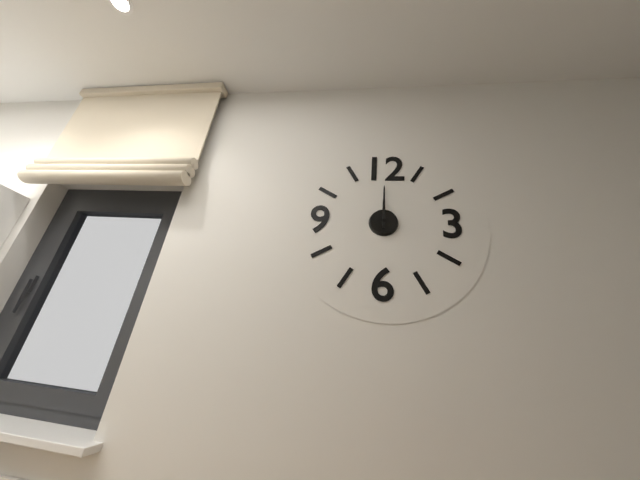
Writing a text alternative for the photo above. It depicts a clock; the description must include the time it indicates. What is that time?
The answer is 12:00
